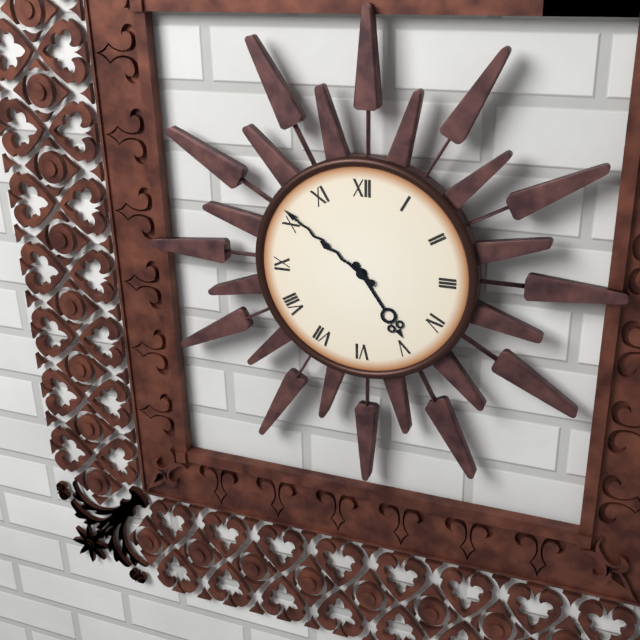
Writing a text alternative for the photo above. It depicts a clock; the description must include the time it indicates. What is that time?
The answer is 4:51
